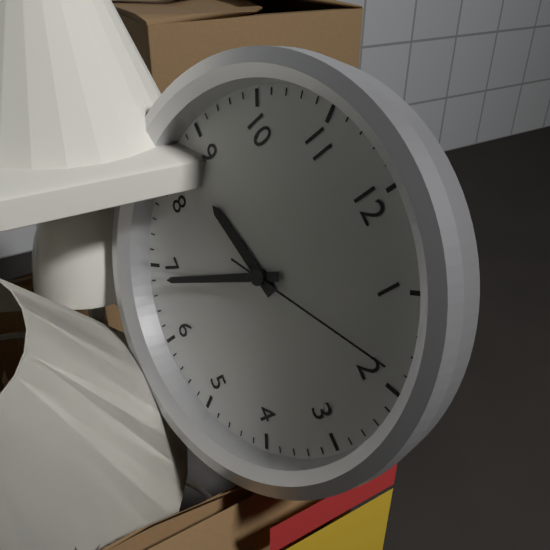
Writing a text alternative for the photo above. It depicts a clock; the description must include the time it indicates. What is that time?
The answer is 8:34:09
